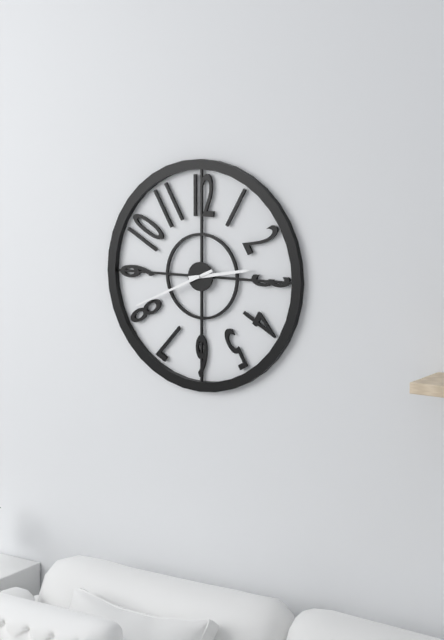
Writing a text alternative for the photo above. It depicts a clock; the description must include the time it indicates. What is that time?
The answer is 2:41
